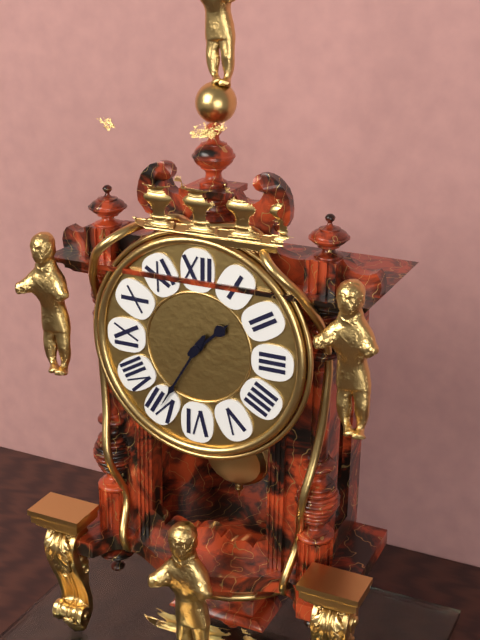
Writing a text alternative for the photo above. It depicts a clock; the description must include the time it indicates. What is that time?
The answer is 1:35
